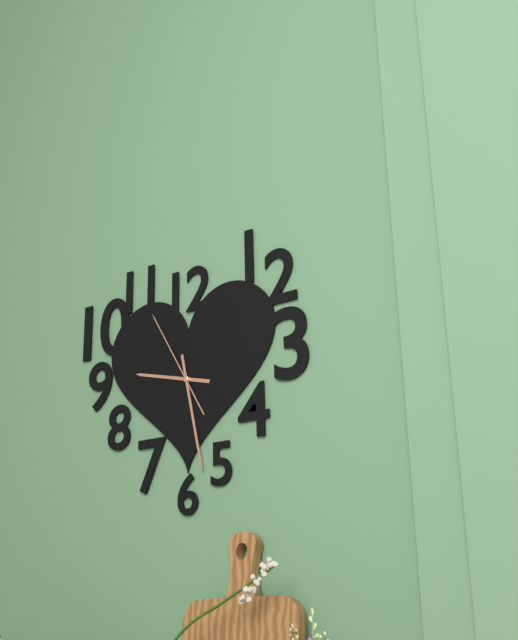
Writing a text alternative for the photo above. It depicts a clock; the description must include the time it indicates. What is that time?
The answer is 9:28:55
